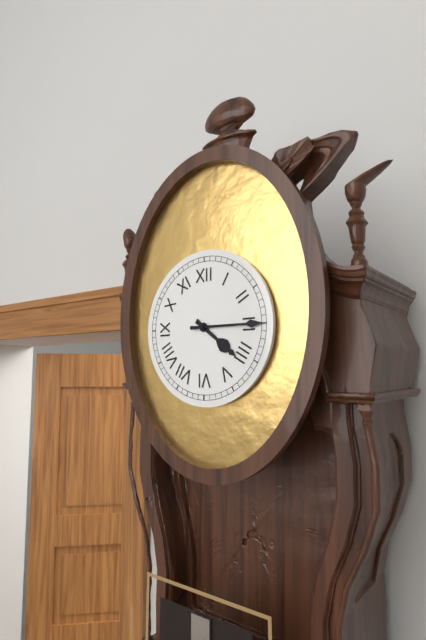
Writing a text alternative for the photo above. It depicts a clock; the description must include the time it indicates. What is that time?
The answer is 4:15
